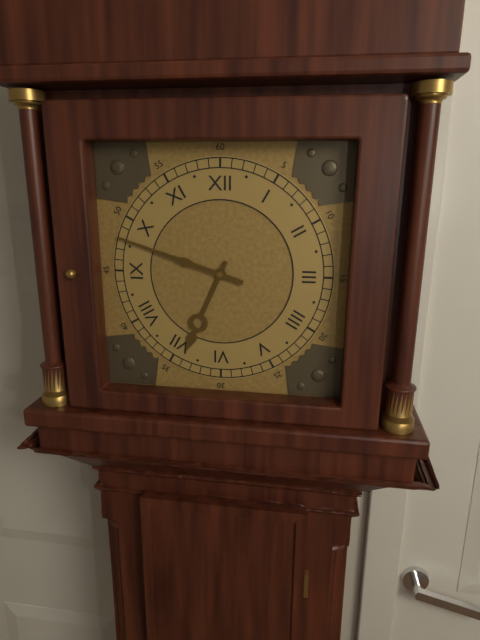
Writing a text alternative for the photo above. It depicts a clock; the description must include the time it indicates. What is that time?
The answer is 6:48
